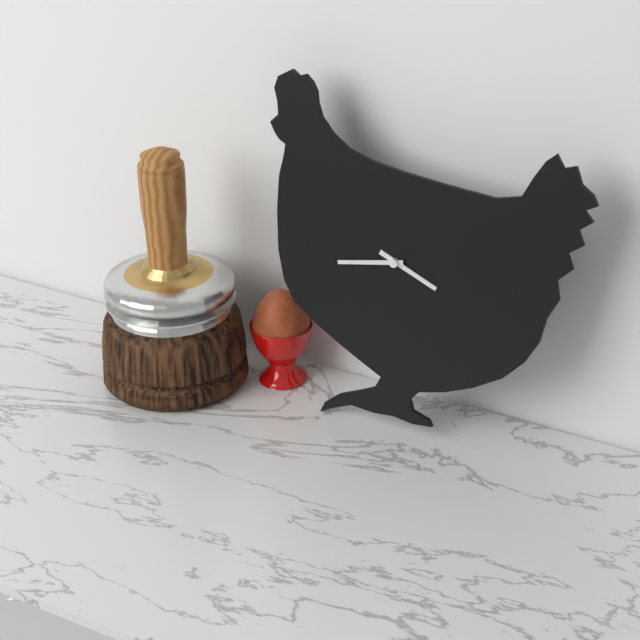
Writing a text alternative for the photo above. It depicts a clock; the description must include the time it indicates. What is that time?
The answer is 3:43
